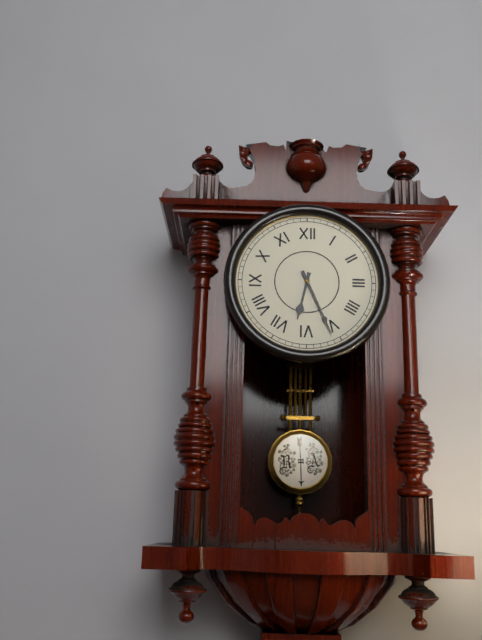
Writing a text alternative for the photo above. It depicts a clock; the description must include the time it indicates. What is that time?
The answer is 6:26
